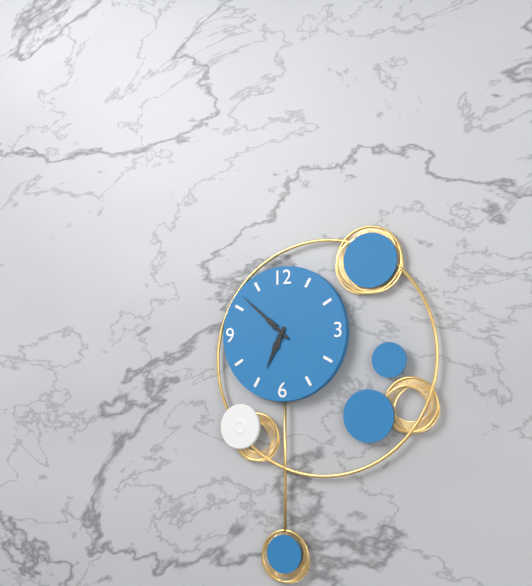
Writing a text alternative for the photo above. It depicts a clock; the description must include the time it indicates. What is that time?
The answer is 6:52
